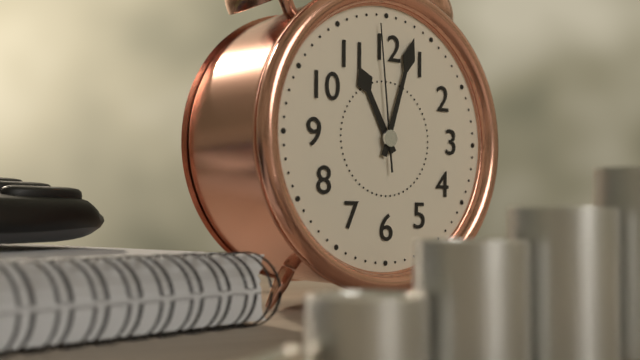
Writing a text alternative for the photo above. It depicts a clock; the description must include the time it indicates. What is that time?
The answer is 11:03:59
